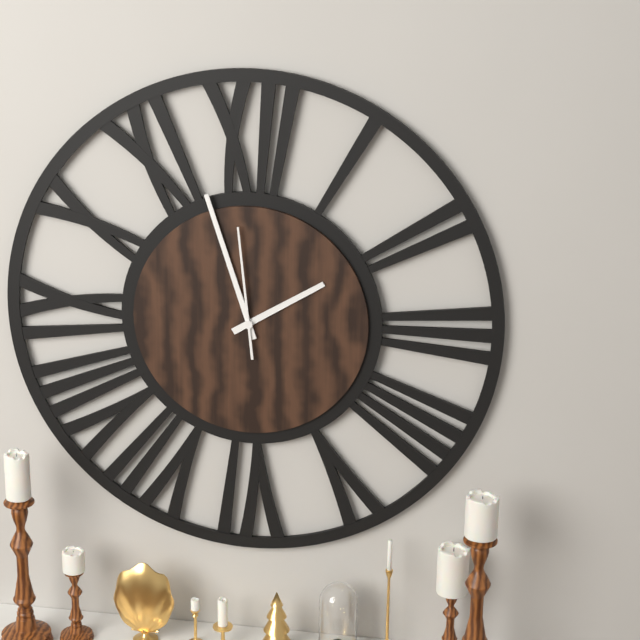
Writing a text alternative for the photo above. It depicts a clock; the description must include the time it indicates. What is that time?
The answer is 1:57:59
